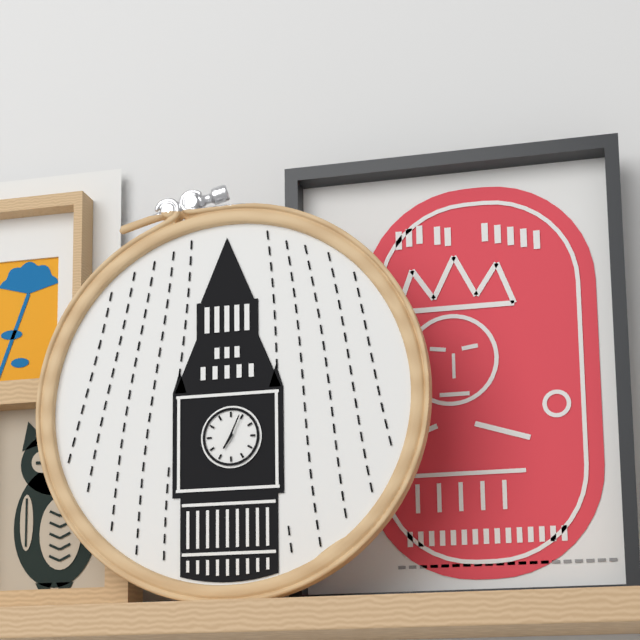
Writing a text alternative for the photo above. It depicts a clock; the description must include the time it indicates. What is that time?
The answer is 7:04
